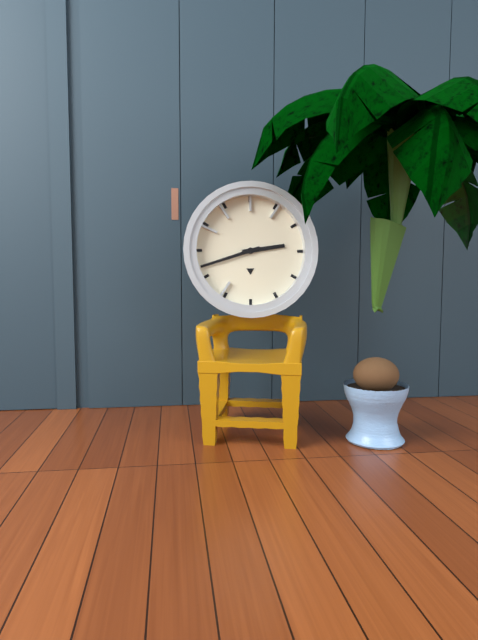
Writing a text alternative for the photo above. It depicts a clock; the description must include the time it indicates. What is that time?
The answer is 2:42
